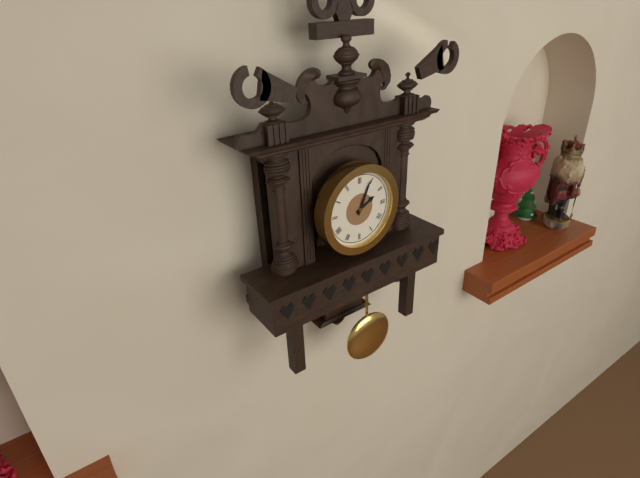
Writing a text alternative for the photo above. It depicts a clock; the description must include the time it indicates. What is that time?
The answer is 2:04
